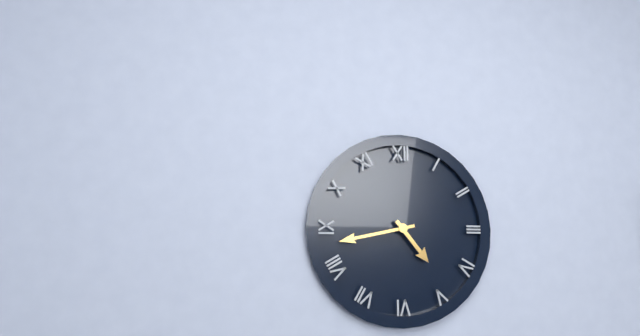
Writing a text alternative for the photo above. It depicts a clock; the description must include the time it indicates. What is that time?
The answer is 4:43
